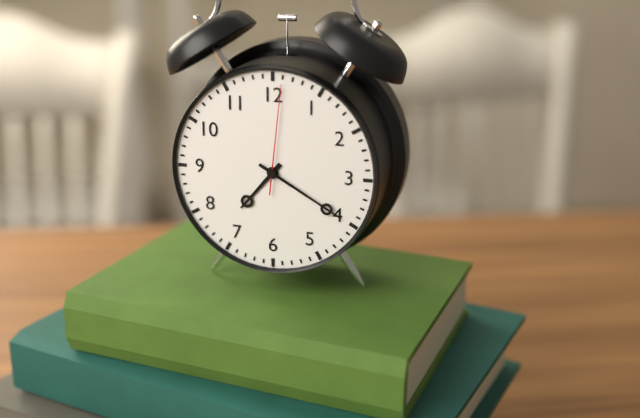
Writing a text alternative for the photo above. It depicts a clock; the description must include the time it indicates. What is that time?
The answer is 7:20:01
